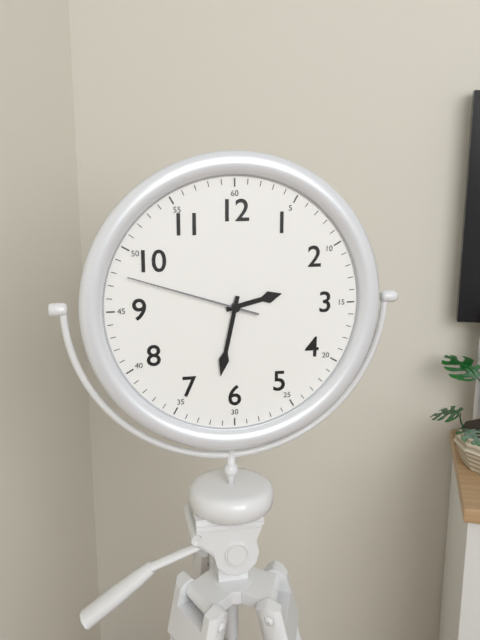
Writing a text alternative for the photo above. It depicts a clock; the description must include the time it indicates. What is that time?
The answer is 2:32:48
